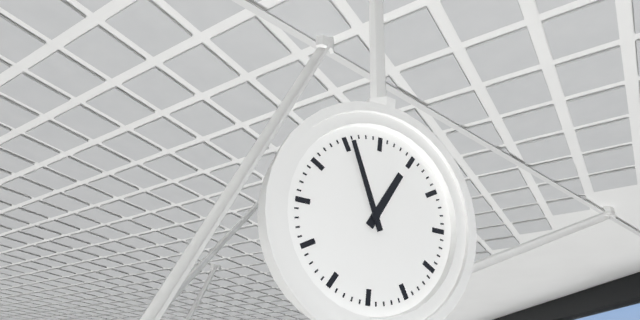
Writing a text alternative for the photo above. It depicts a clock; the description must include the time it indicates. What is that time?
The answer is 12:56
